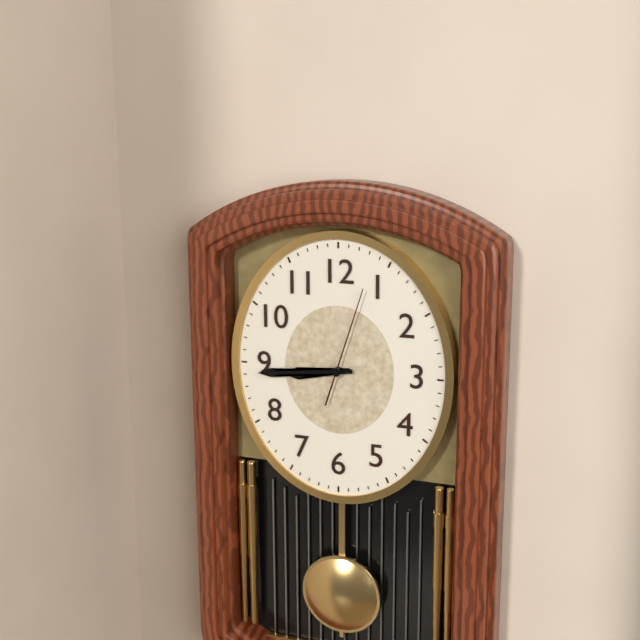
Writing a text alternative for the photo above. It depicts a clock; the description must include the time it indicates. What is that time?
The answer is 8:44:03
